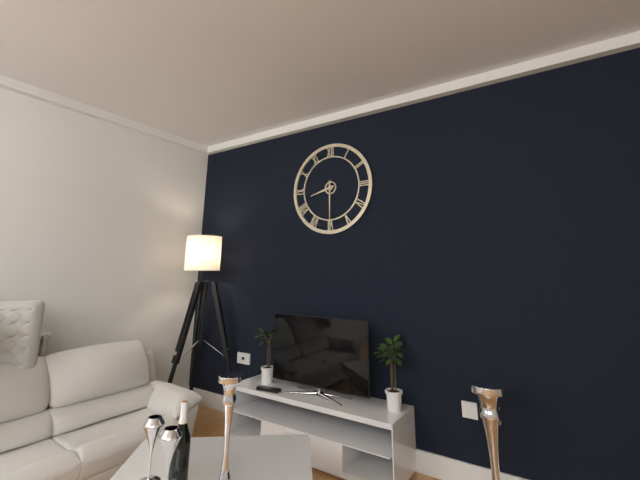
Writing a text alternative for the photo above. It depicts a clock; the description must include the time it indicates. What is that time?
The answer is 8:30
